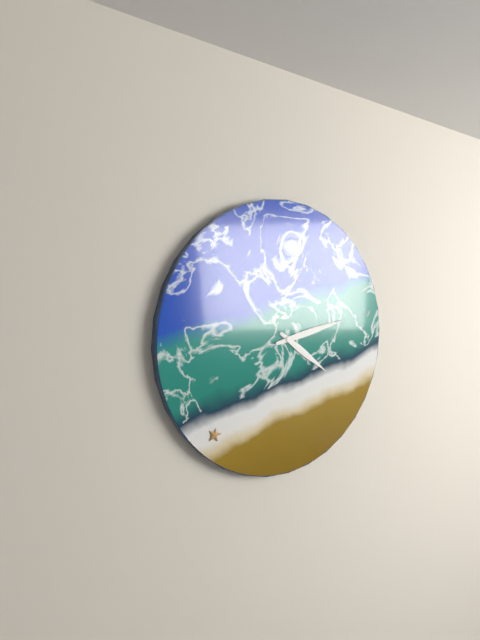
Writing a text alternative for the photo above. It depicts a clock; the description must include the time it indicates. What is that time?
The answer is 4:13
